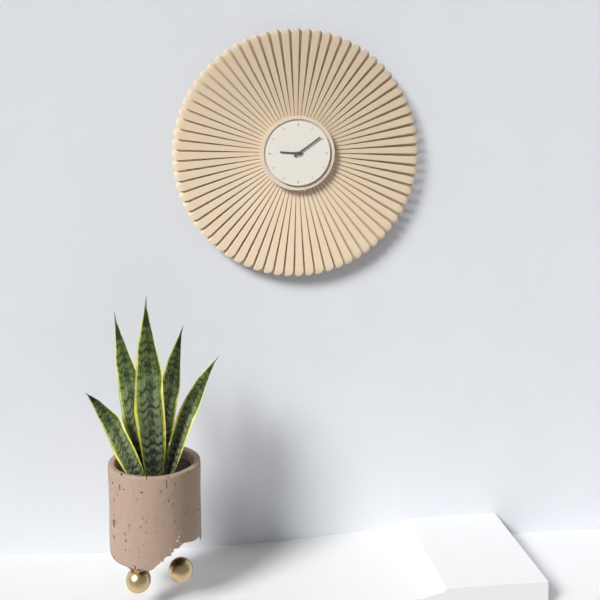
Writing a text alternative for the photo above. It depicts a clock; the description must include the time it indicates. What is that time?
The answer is 9:09
